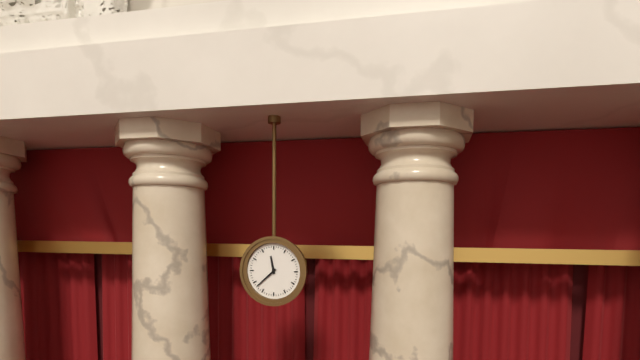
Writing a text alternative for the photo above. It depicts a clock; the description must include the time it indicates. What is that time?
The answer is 11:38
